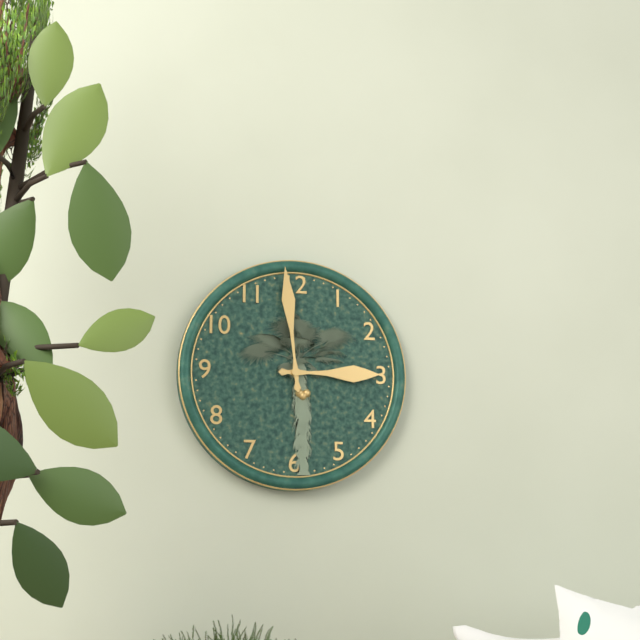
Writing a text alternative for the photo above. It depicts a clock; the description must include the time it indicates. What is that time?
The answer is 2:59
